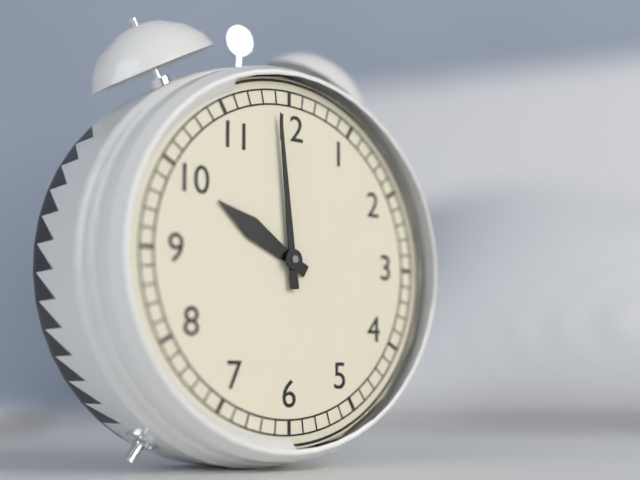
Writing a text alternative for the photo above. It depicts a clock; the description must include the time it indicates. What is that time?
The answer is 9:59
